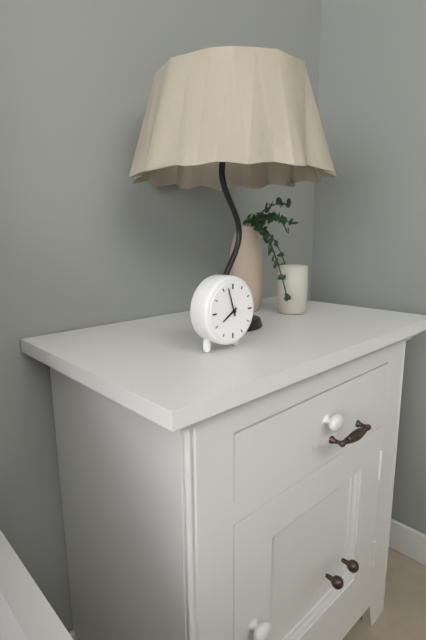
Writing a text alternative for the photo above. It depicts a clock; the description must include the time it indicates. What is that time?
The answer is 7:57
